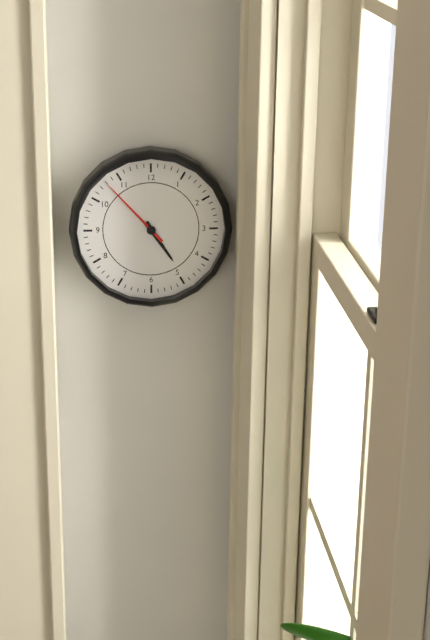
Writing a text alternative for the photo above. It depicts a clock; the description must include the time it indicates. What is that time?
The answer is 4:53
